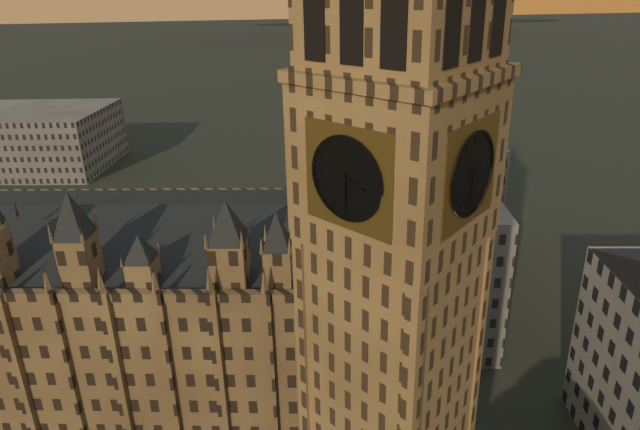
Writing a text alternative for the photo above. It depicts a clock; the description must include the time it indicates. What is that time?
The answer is 3:30
